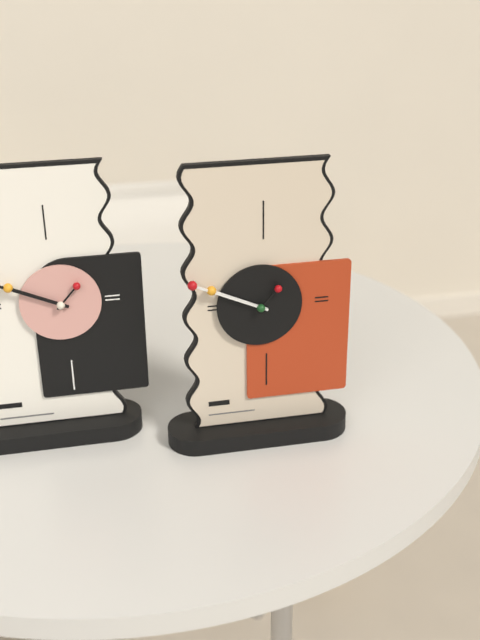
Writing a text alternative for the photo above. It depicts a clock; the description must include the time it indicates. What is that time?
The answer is 9:49
